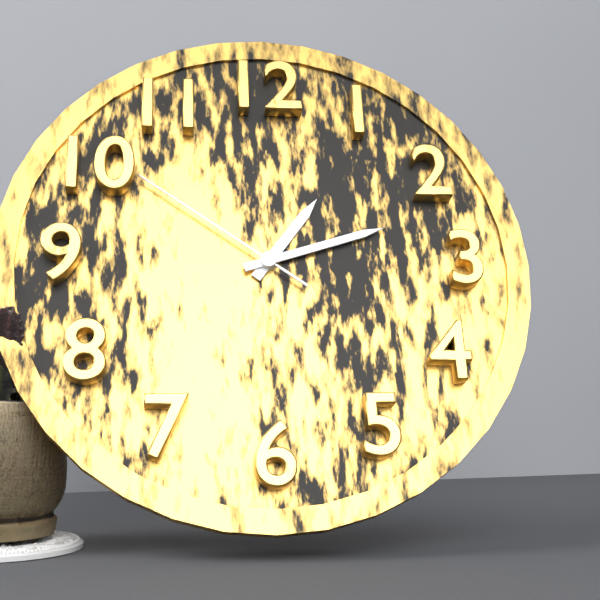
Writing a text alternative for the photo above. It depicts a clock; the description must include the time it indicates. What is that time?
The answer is 1:12:51
